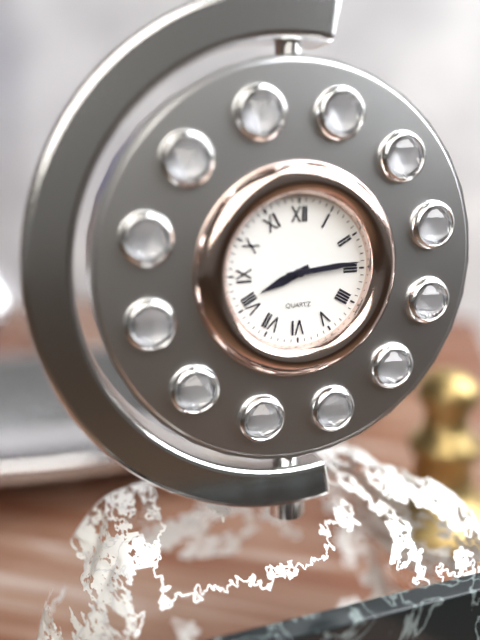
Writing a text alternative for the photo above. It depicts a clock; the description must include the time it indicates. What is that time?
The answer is 8:14
